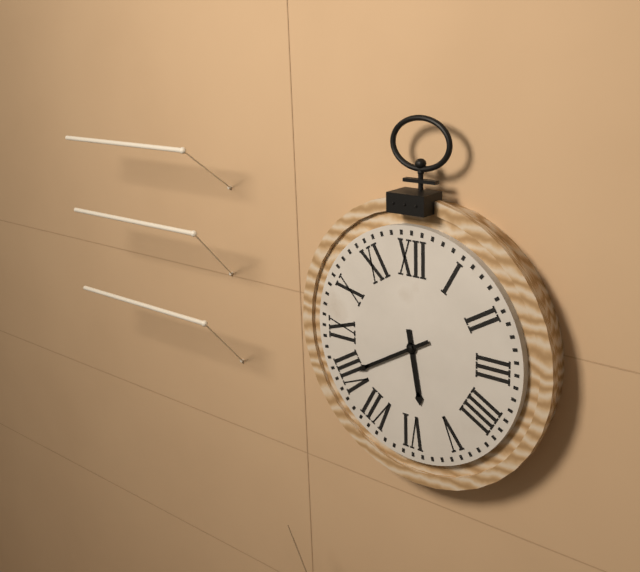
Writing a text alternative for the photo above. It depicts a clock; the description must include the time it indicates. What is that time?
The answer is 5:40
